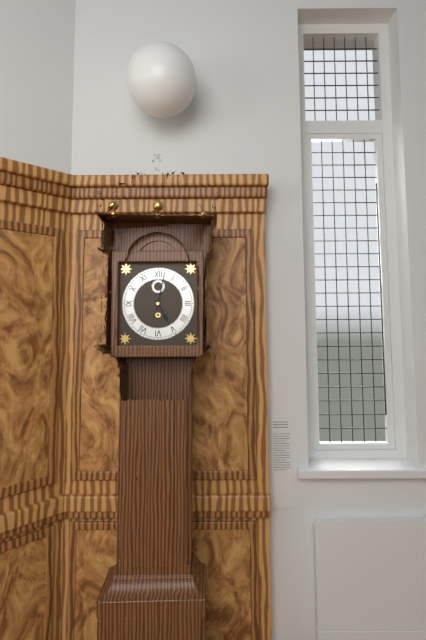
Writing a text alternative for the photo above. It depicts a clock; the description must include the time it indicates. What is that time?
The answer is 5:02
